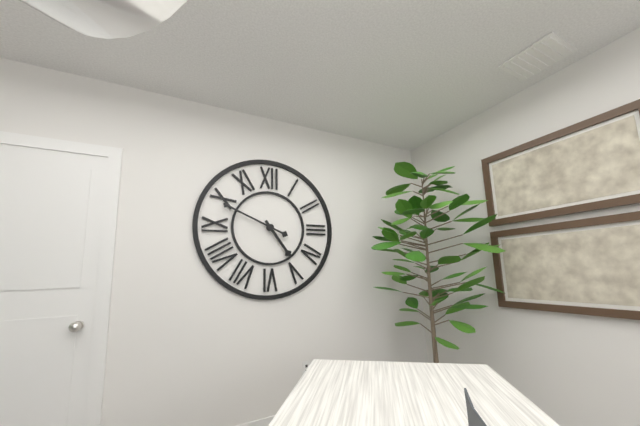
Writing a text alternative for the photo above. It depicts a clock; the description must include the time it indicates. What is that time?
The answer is 4:49
